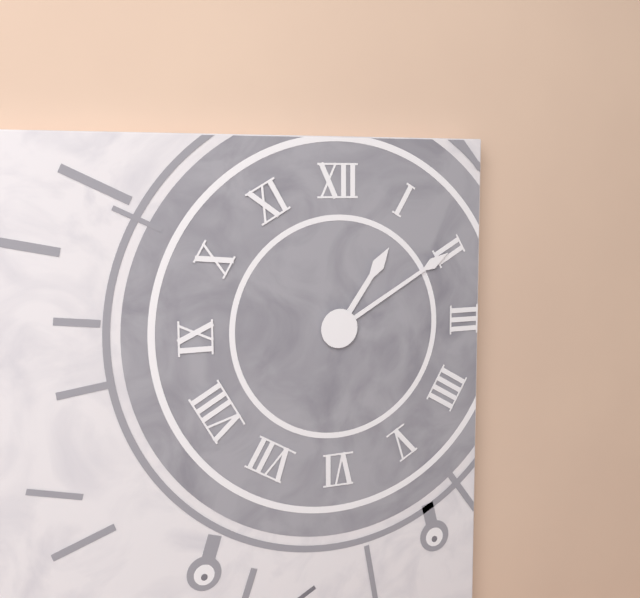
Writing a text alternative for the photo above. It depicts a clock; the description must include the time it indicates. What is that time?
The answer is 1:10
